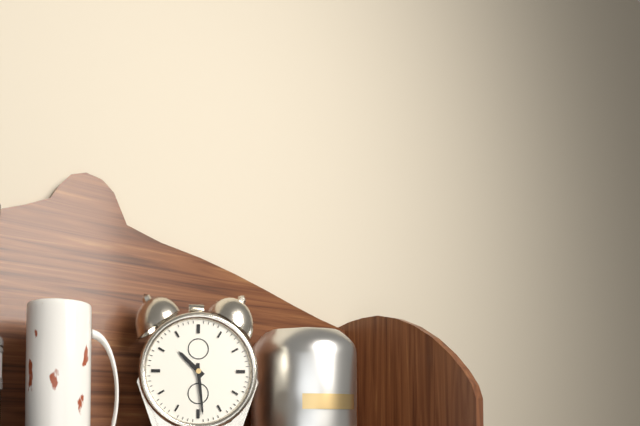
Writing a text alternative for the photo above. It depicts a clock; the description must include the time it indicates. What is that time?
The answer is 10:29
